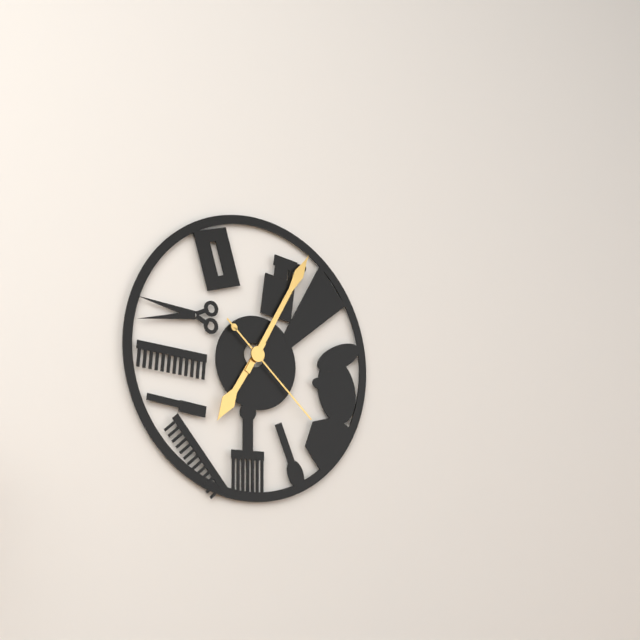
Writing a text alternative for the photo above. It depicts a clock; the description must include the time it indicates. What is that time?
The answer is 7:05:22
